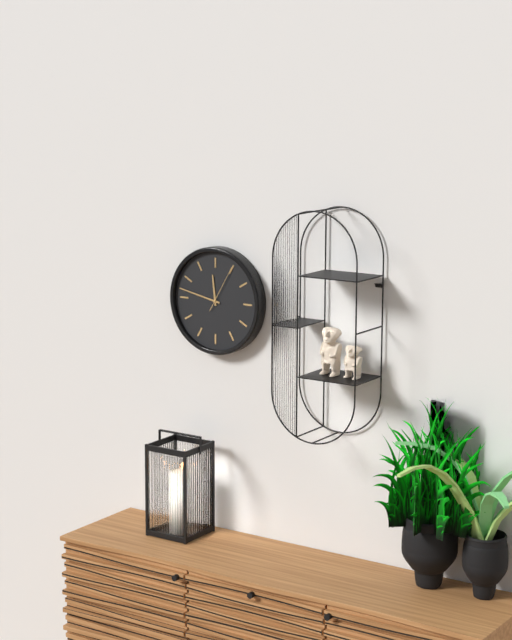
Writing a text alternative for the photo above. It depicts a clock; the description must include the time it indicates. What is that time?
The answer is 11:47
